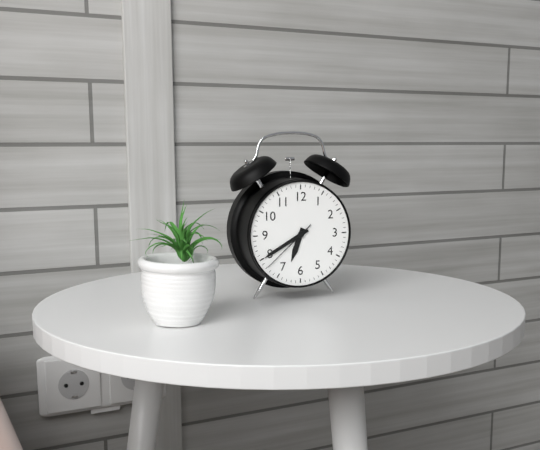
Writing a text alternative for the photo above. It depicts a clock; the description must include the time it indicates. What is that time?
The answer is 6:40:38
